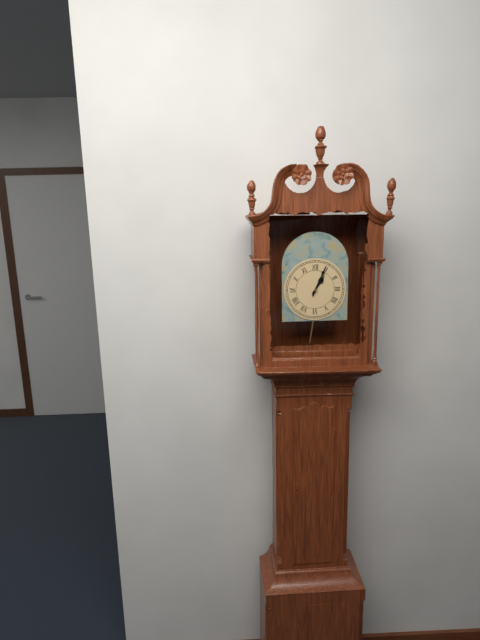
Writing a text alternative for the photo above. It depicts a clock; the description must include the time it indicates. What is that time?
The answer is 1:04
